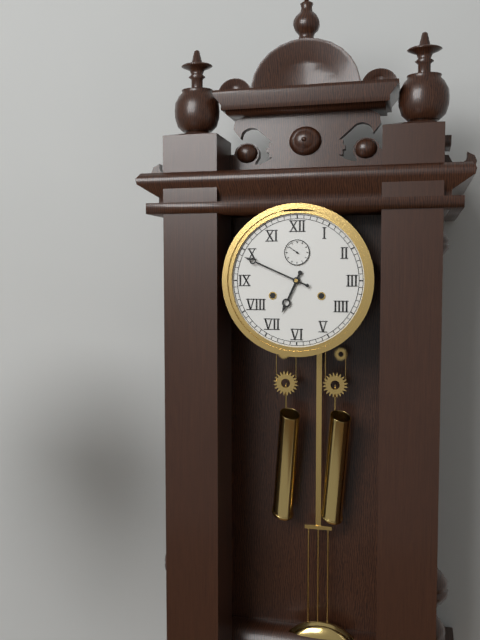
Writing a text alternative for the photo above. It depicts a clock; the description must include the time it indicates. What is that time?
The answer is 6:49
